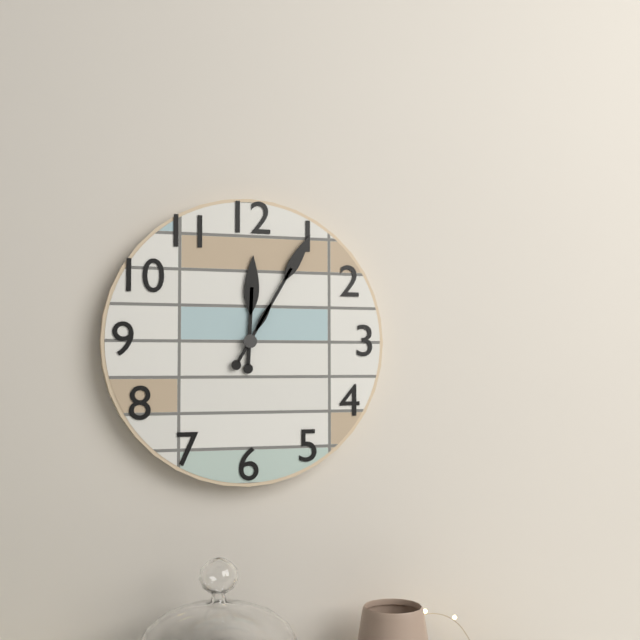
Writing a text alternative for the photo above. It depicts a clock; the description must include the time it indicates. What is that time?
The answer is 12:05
